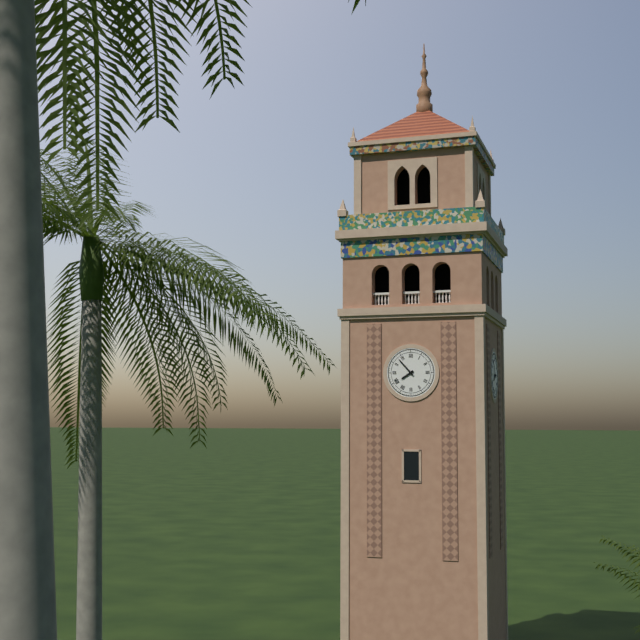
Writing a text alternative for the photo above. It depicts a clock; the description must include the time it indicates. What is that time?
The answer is 7:53
